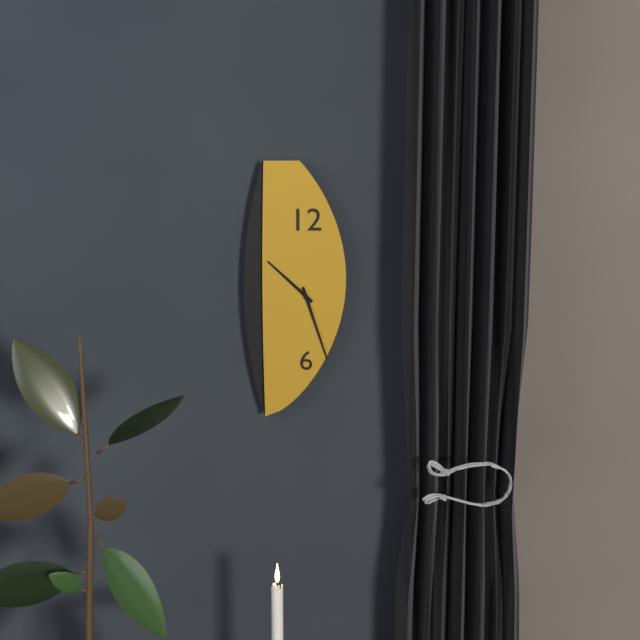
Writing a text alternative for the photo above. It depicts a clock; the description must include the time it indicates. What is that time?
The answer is 10:27
